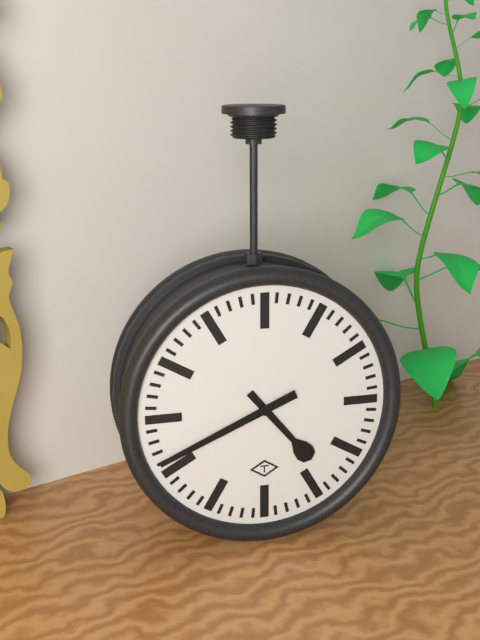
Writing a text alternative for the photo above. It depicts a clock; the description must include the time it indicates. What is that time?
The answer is 4:41
